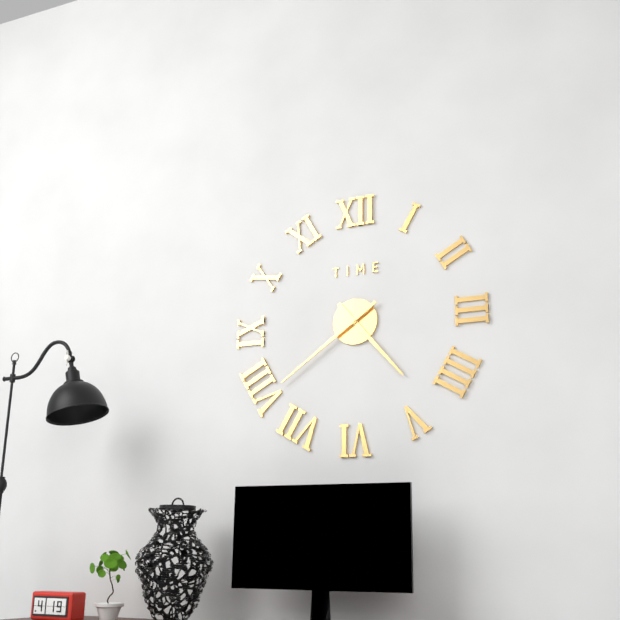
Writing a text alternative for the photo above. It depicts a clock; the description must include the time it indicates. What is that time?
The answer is 4:39
